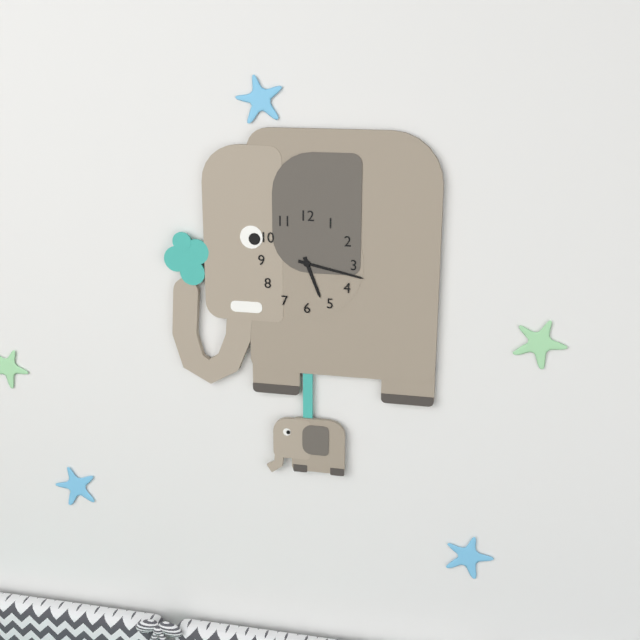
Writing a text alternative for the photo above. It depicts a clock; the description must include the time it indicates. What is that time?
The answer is 5:17
